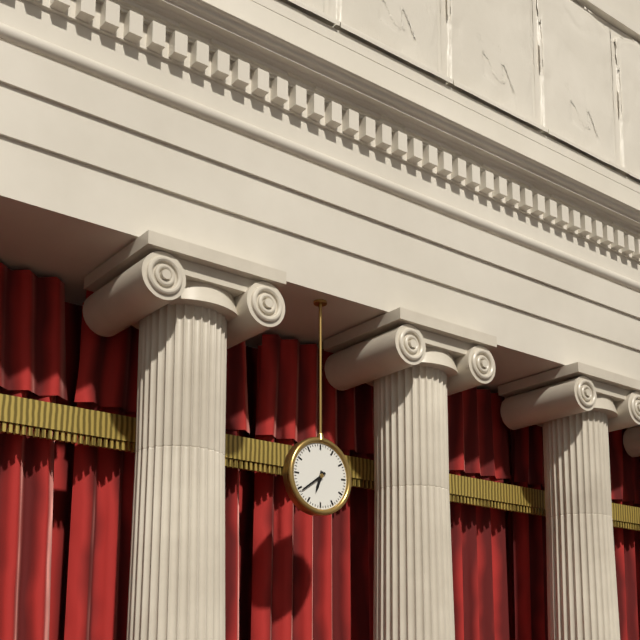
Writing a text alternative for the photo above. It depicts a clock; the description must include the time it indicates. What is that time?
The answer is 6:39
